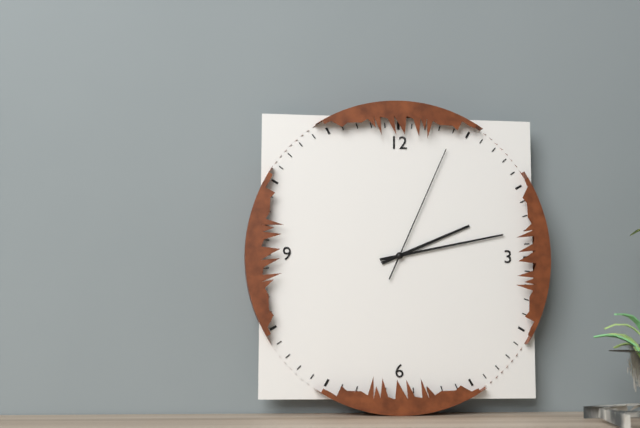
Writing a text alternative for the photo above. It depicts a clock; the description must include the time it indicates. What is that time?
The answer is 2:13:04
